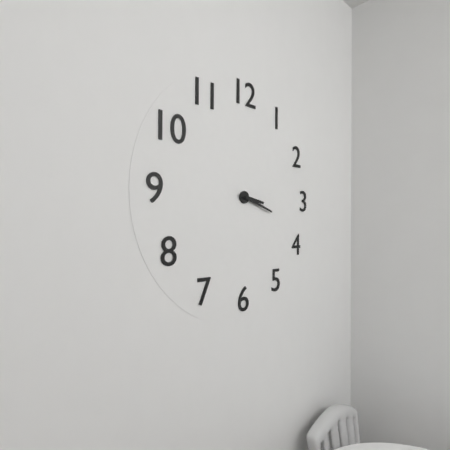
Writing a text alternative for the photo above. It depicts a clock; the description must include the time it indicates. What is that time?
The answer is 3:18
